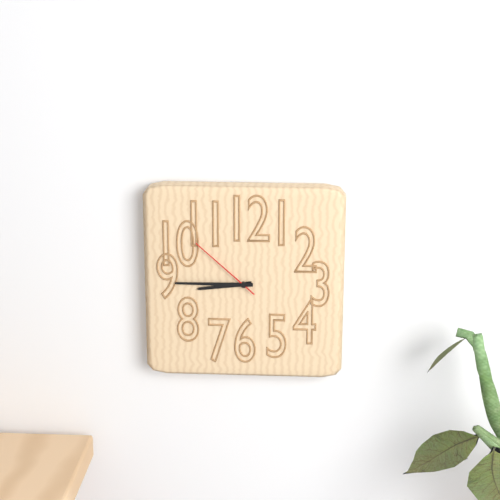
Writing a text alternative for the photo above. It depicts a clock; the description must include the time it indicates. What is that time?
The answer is 8:45:52
